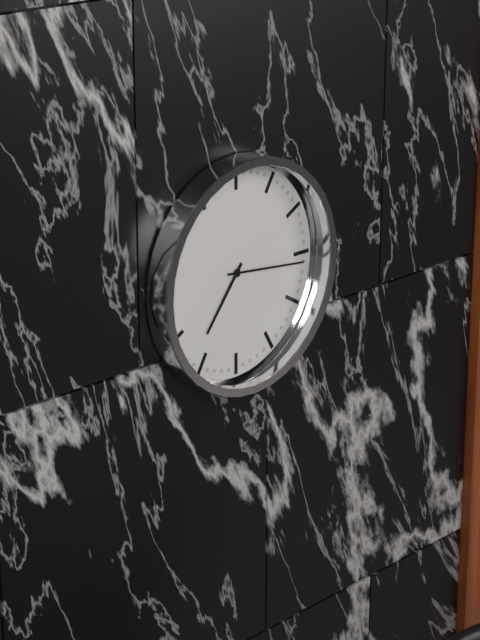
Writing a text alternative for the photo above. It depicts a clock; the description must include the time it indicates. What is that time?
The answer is 7:16
